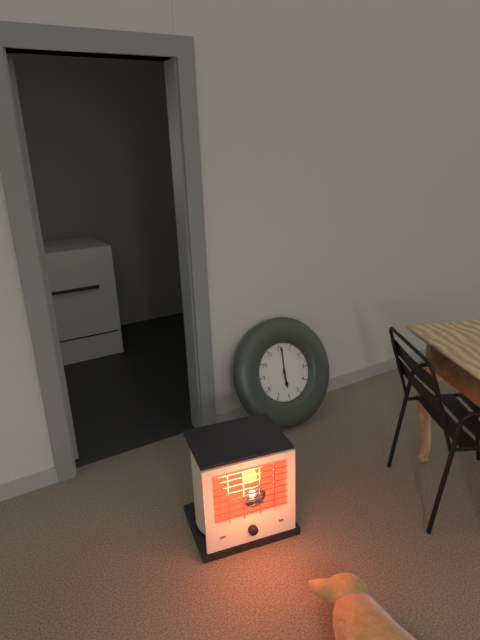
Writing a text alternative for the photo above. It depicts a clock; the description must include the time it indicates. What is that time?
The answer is 6:01
